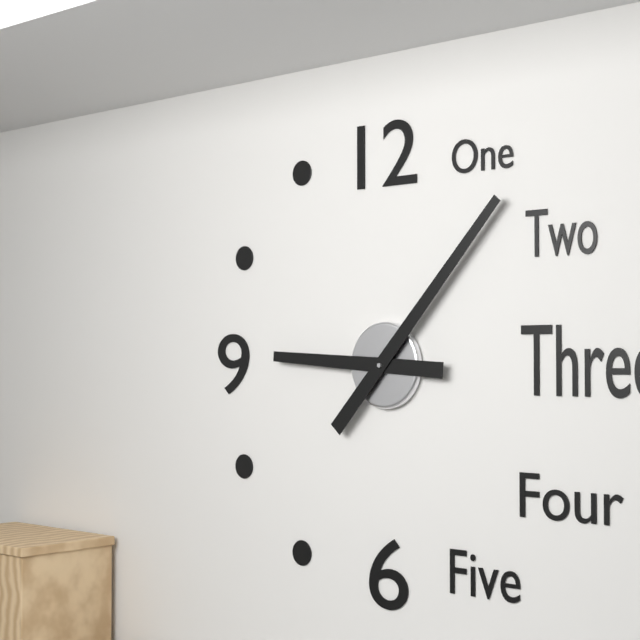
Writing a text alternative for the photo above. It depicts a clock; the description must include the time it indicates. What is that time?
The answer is 9:07
